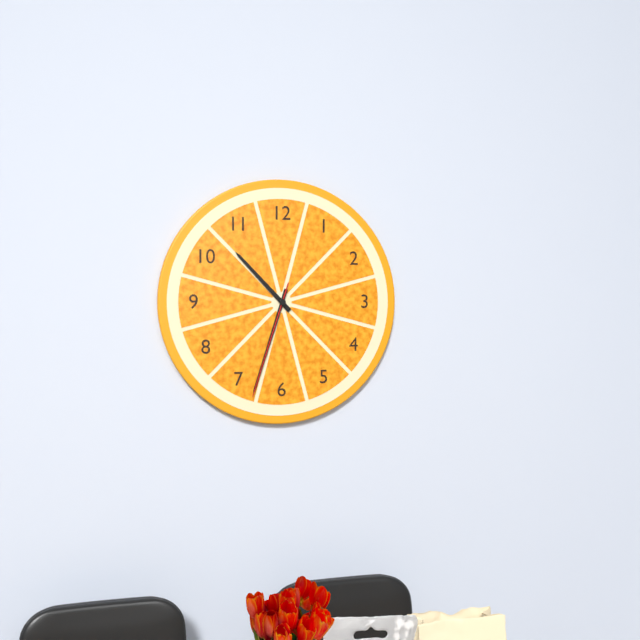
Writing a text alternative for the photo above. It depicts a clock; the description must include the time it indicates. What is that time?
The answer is 10:33:33
